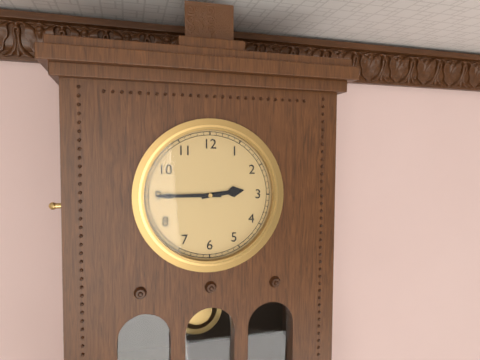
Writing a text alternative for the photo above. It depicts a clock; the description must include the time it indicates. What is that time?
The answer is 2:45
